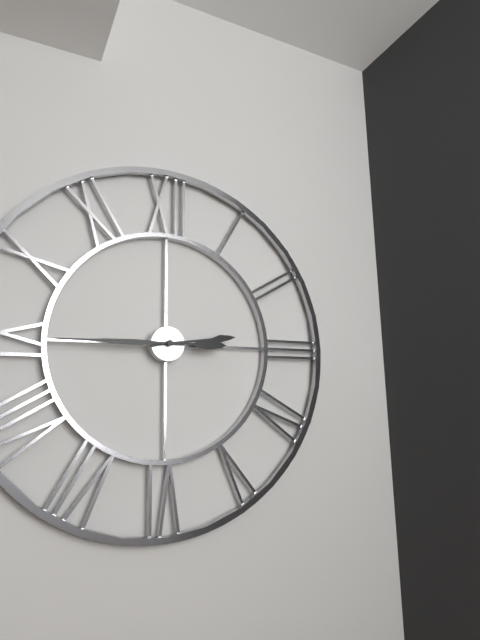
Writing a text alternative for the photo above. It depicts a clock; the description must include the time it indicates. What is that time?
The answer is 2:45
